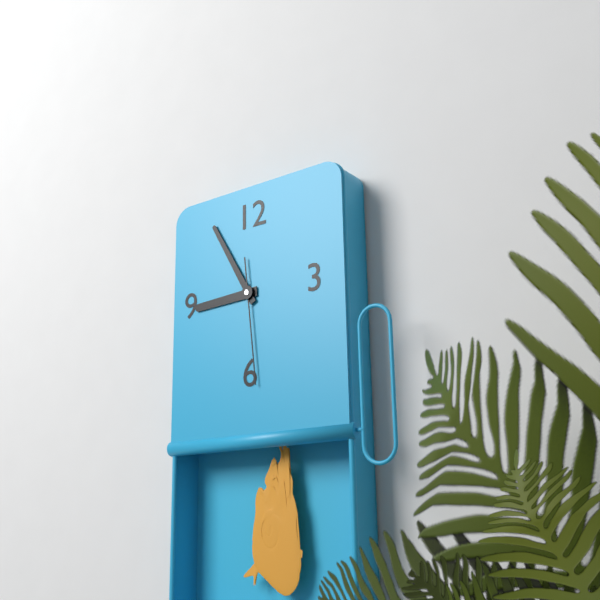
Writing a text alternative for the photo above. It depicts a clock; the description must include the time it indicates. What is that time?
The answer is 8:55:29
